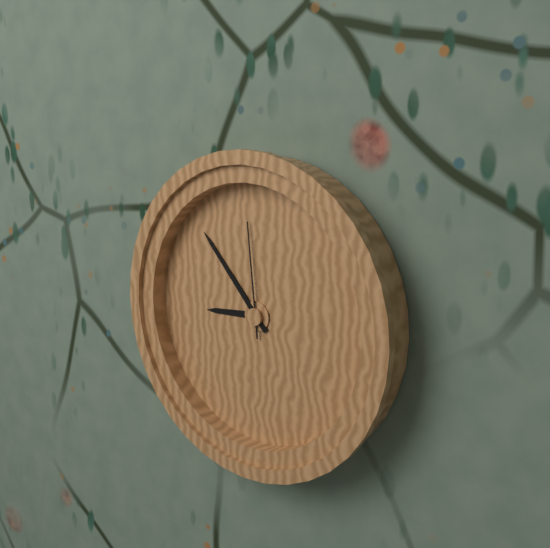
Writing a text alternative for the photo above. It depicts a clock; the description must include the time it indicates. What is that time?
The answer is 8:53:59
